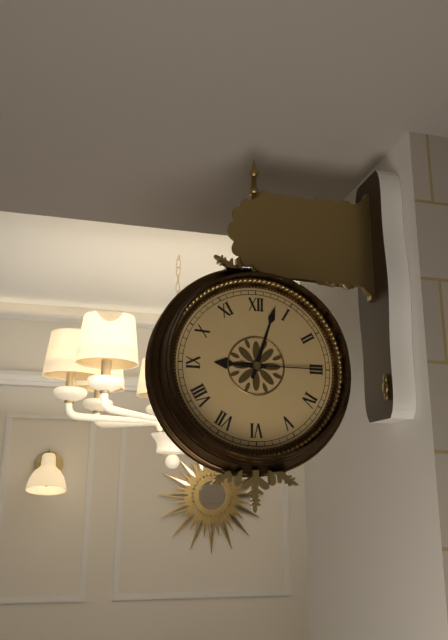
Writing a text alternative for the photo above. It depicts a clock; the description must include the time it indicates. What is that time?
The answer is 9:03:15
